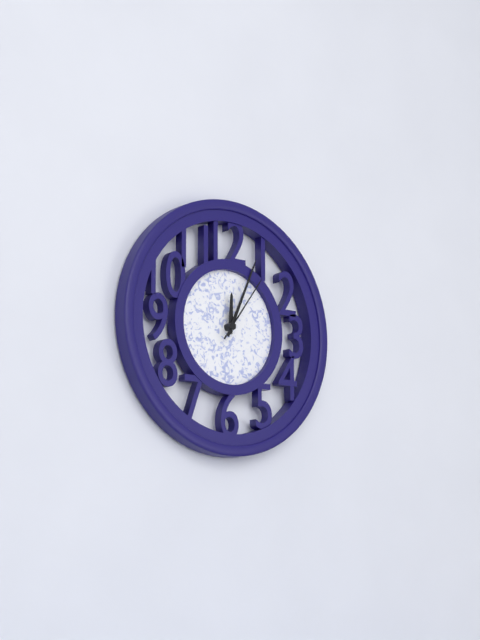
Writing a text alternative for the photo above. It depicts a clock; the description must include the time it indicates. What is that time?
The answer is 12:04:06
